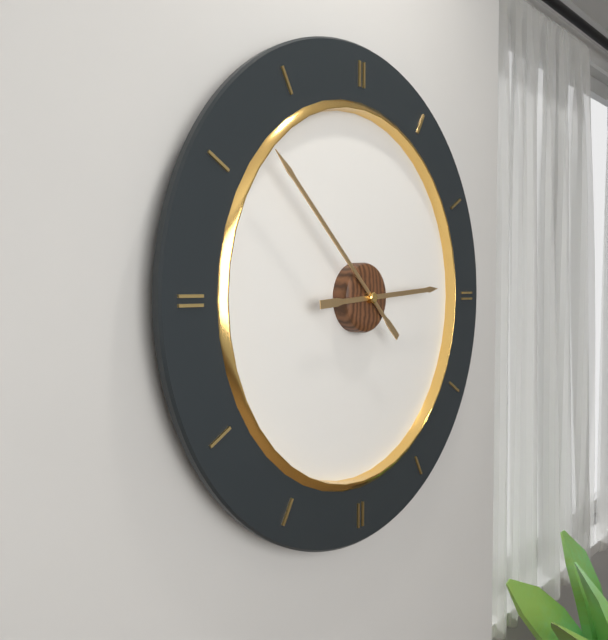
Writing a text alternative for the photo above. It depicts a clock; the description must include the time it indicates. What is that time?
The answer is 2:52
